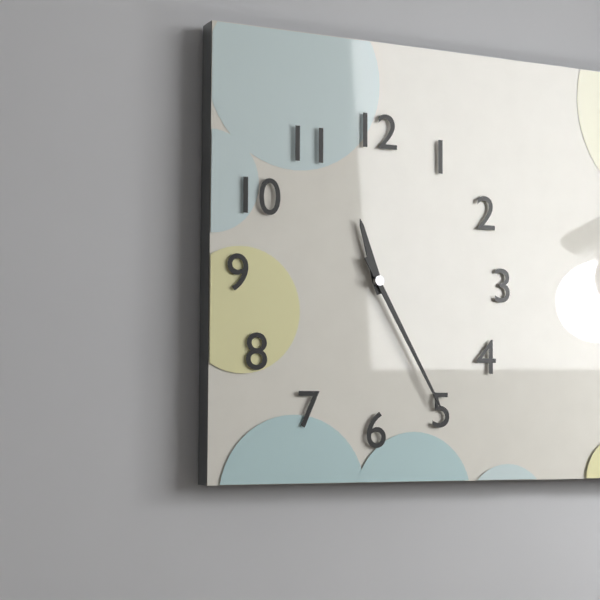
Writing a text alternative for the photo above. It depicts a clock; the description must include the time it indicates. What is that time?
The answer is 11:25
